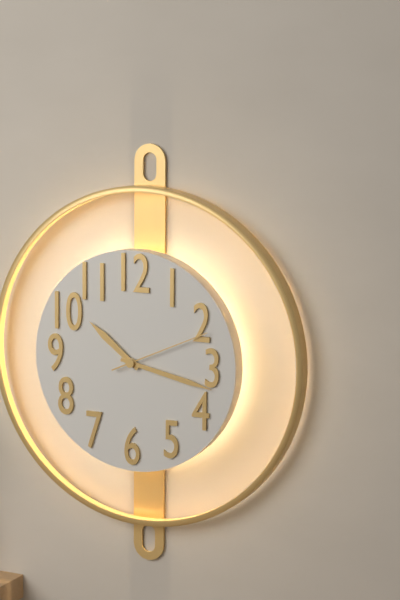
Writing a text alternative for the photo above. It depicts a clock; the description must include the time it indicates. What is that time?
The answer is 10:17:11
